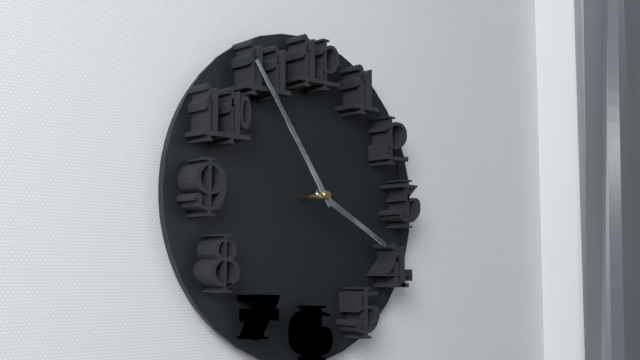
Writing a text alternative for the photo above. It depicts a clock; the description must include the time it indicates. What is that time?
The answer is 3:54
